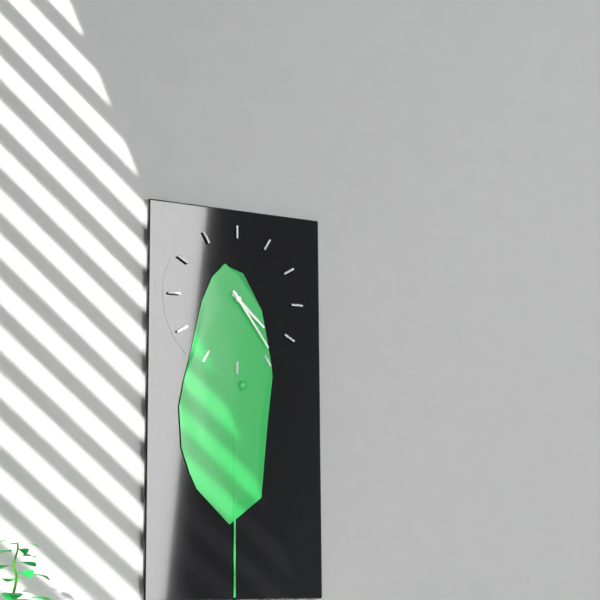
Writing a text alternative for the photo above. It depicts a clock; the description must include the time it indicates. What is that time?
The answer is 4:24
